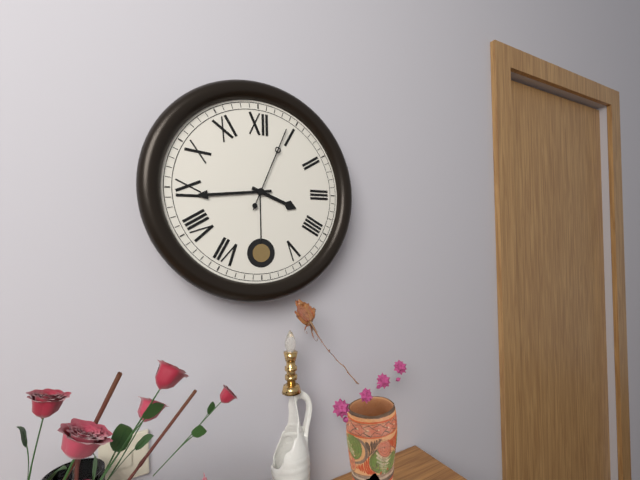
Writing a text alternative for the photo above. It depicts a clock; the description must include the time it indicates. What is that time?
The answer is 3:44:04
